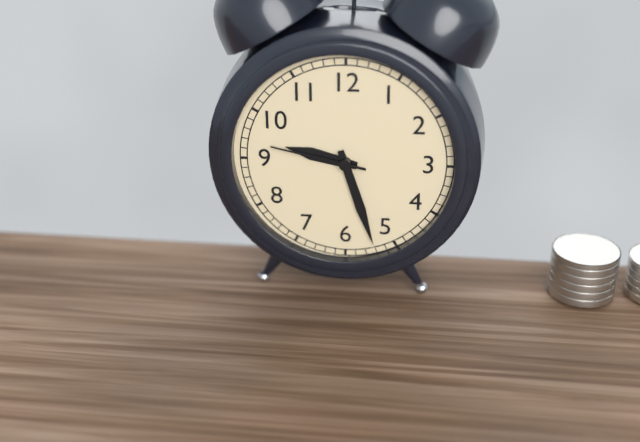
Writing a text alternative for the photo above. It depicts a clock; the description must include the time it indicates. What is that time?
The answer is 9:27:47
